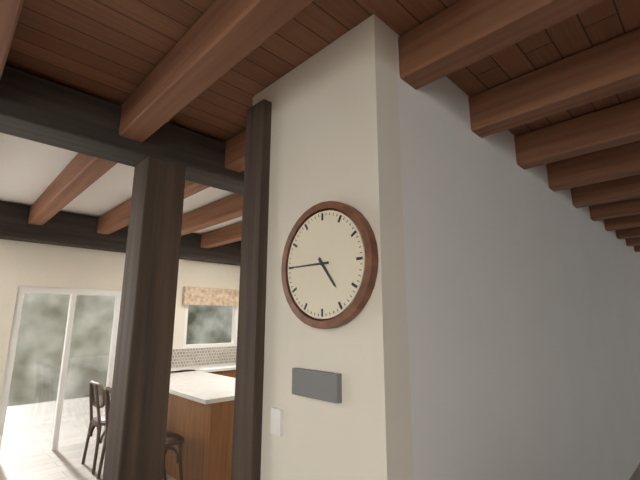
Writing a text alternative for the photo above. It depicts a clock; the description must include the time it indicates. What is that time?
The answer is 4:45
